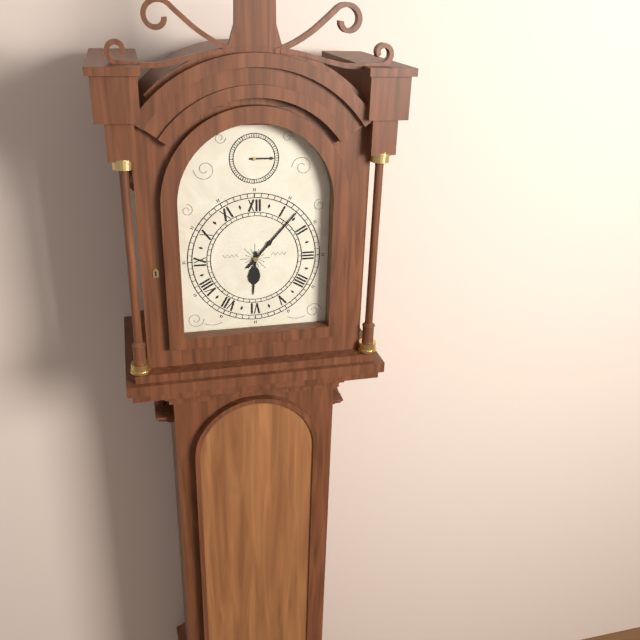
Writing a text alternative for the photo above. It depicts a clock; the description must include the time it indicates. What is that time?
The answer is 6:07
